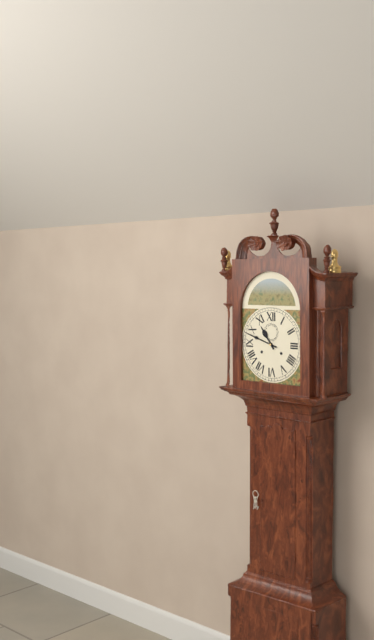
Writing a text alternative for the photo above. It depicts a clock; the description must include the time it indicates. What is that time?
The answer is 10:48
